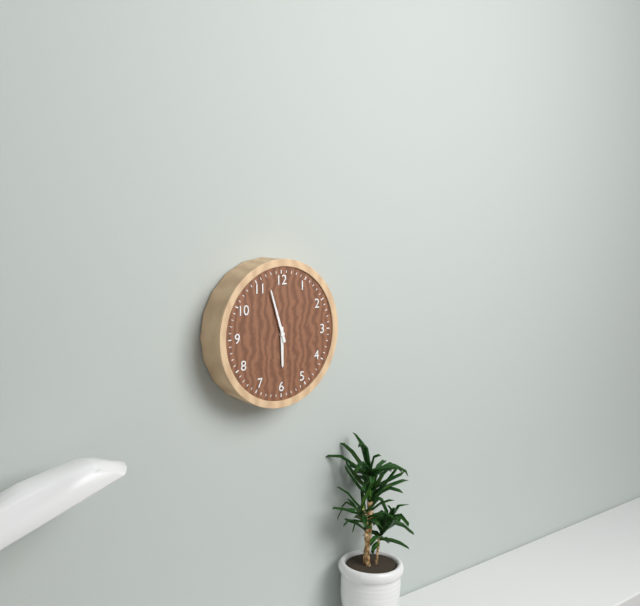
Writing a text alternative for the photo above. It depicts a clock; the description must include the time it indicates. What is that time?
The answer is 5:57
